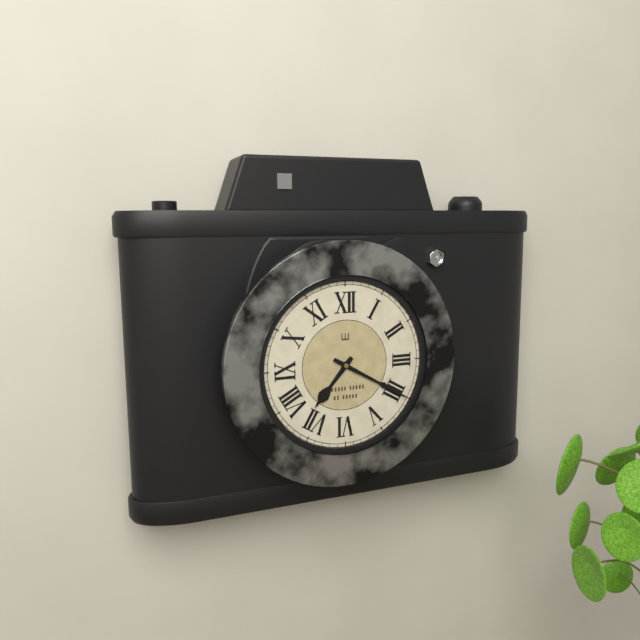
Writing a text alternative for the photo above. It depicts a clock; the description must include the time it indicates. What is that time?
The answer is 7:20
